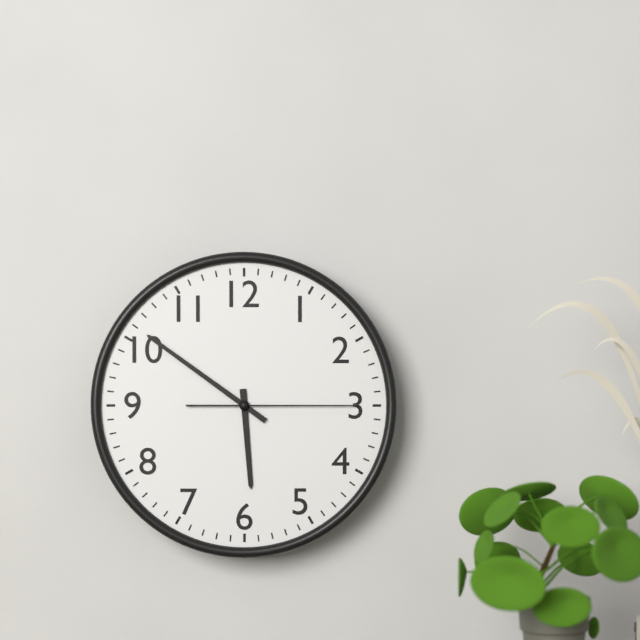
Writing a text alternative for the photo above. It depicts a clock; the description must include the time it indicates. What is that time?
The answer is 5:51:15
